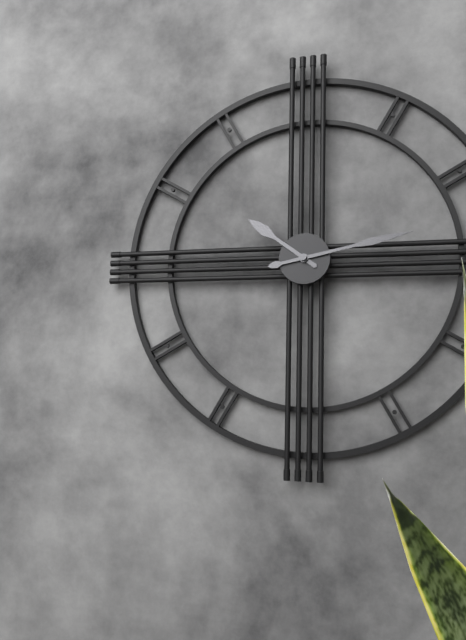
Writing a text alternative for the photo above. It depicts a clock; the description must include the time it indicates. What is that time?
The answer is 10:13
